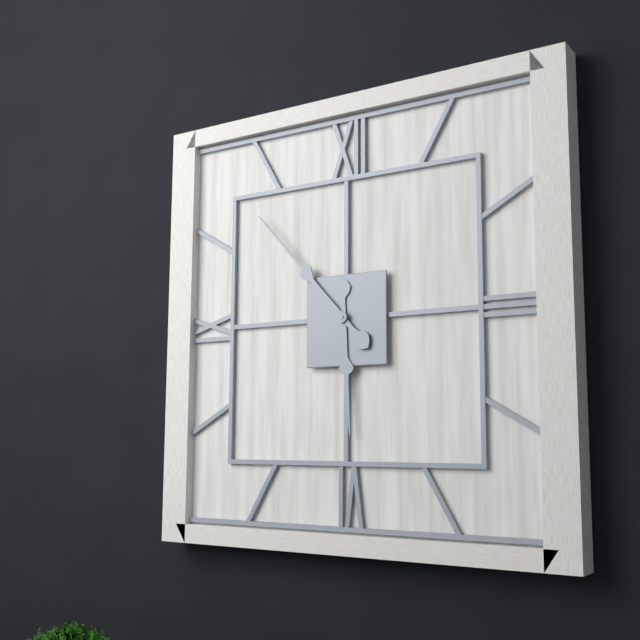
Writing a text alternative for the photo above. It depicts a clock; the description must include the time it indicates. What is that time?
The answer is 5:53
